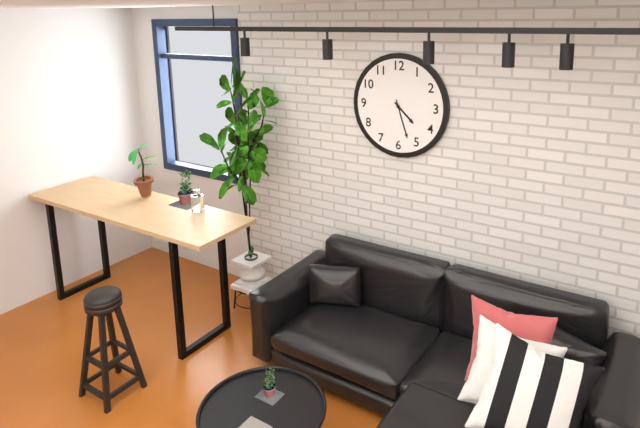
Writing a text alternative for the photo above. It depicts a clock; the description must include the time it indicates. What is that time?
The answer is 4:27
